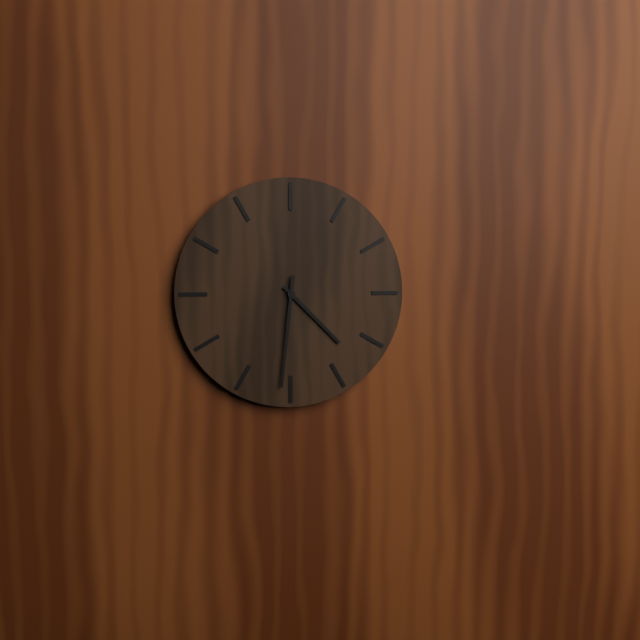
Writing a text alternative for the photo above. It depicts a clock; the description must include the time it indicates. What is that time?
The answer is 4:31
